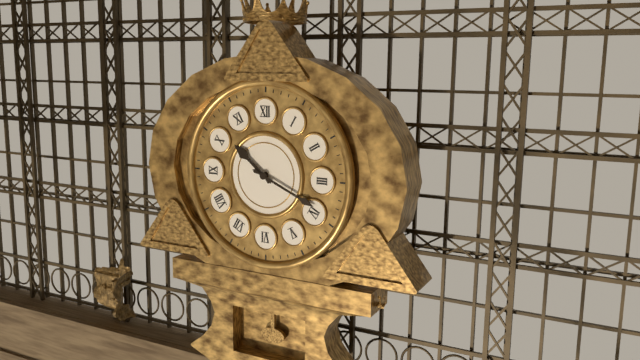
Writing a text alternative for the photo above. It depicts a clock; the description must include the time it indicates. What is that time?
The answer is 10:19
